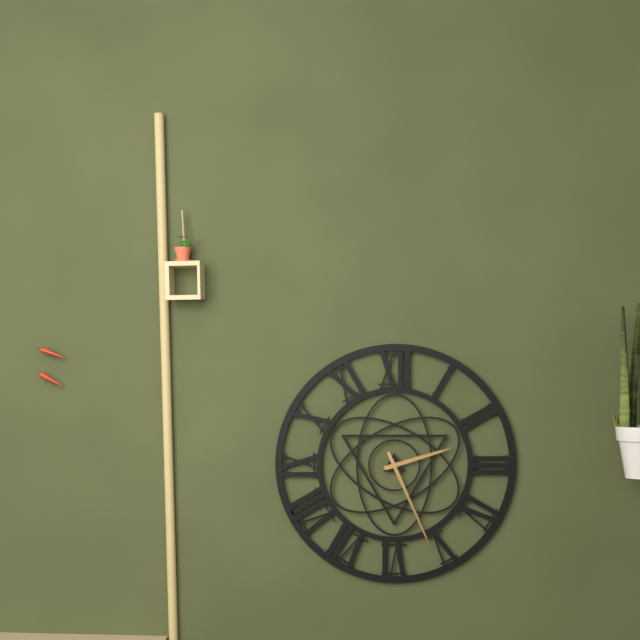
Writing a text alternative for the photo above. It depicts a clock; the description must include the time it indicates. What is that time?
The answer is 2:26
